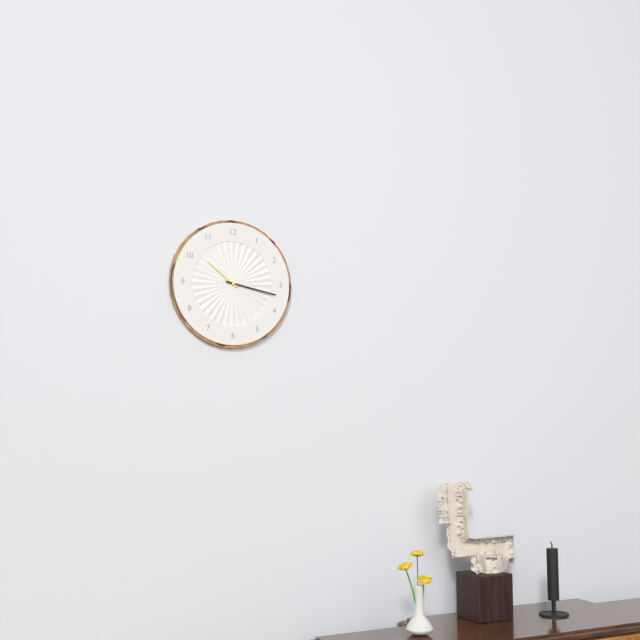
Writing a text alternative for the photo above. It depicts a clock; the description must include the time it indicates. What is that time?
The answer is 10:17
